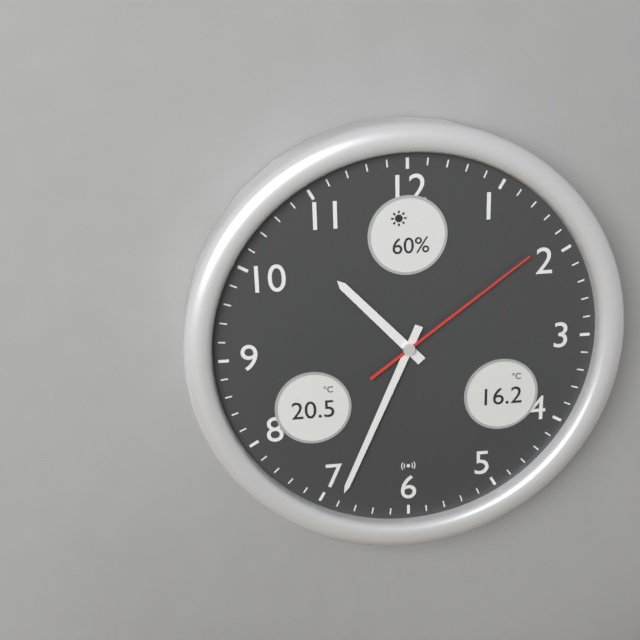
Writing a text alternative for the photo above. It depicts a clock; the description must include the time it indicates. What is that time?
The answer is 10:34:09
